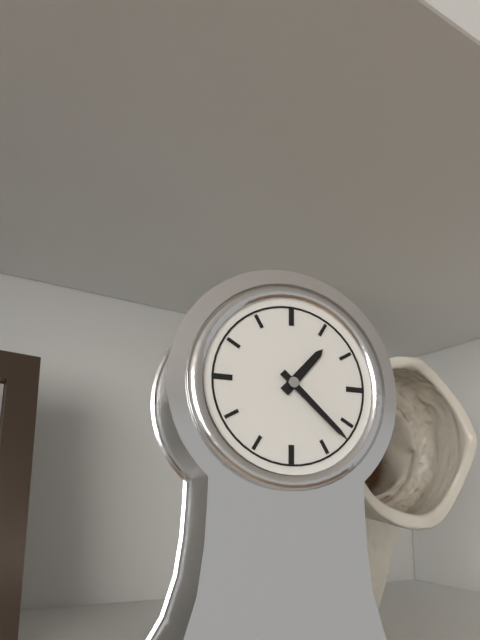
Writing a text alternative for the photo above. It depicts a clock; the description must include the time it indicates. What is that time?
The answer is 1:22
